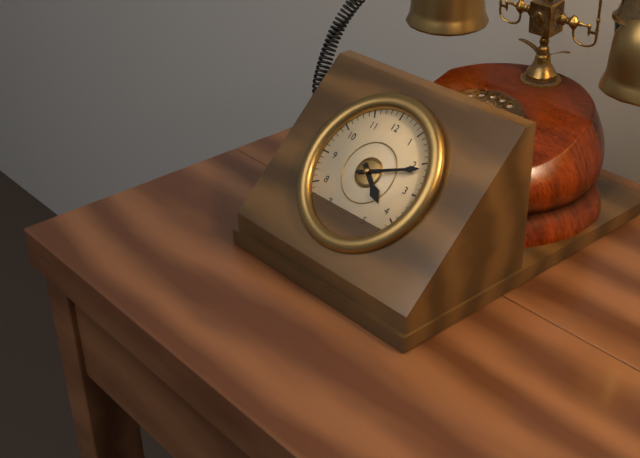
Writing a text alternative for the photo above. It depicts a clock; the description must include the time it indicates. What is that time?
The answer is 4:11
